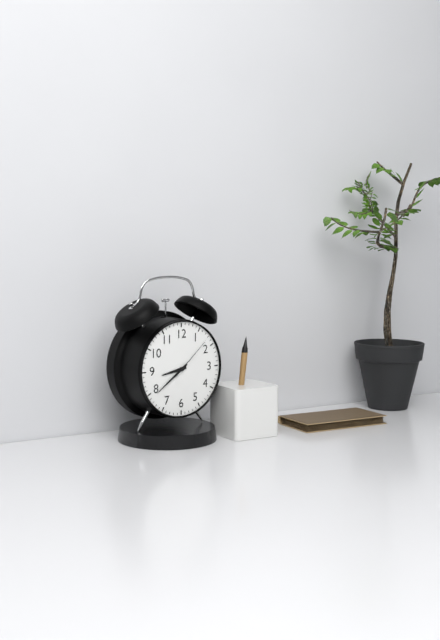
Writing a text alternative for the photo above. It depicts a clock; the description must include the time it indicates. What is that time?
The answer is 8:39
